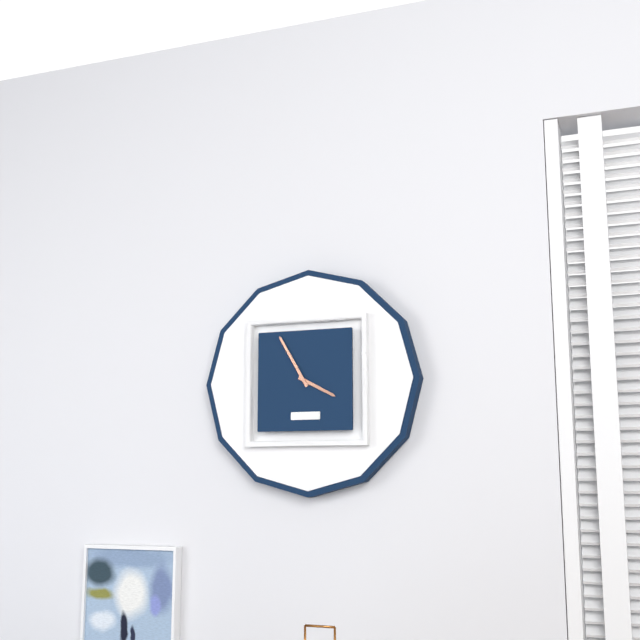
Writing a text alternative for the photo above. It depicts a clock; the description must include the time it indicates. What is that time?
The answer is 3:55
